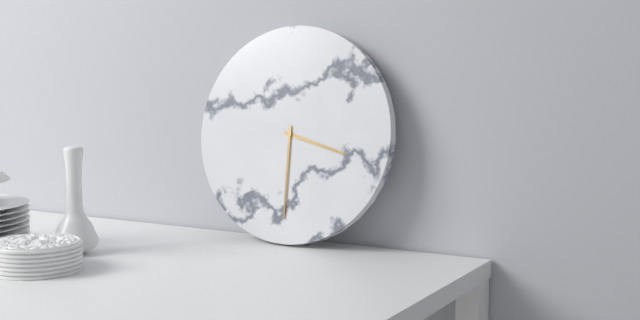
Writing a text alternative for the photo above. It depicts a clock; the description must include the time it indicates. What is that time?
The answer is 3:30
